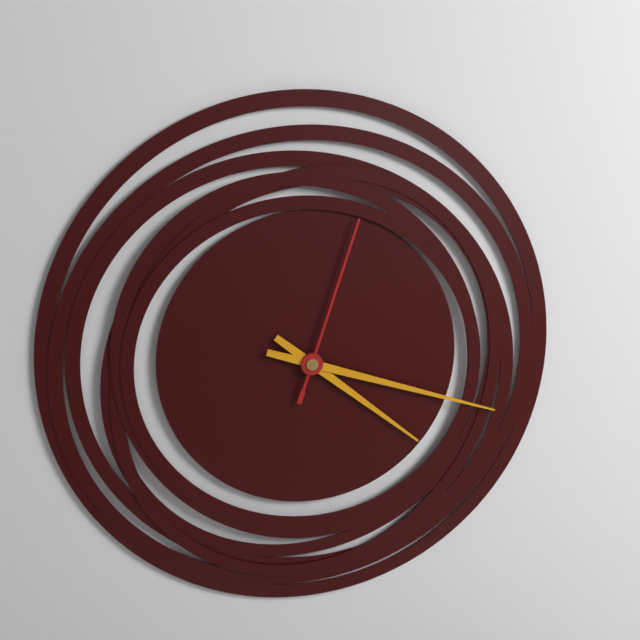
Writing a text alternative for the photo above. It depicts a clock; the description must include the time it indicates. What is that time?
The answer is 4:18:03
